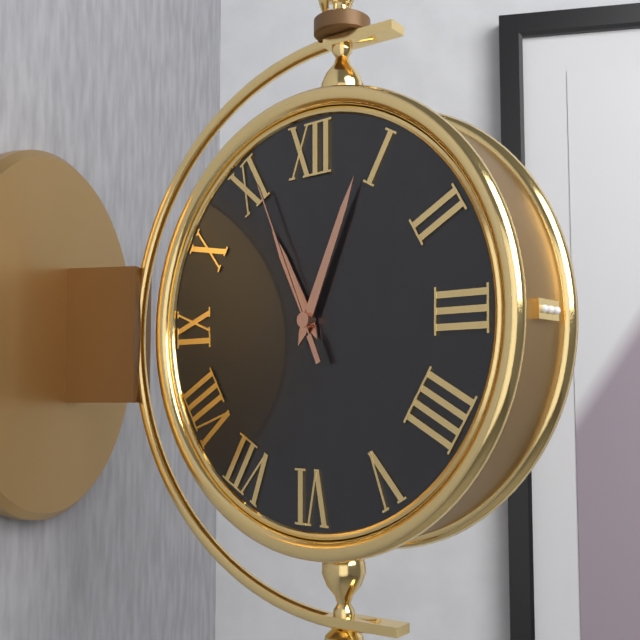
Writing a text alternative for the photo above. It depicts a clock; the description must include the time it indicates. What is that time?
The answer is 11:04:56
